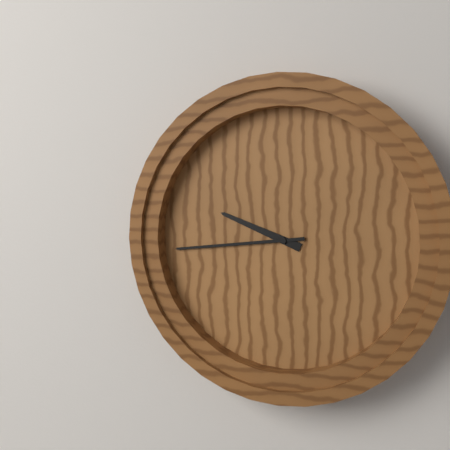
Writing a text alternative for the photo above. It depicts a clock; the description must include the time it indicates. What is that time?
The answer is 9:44
